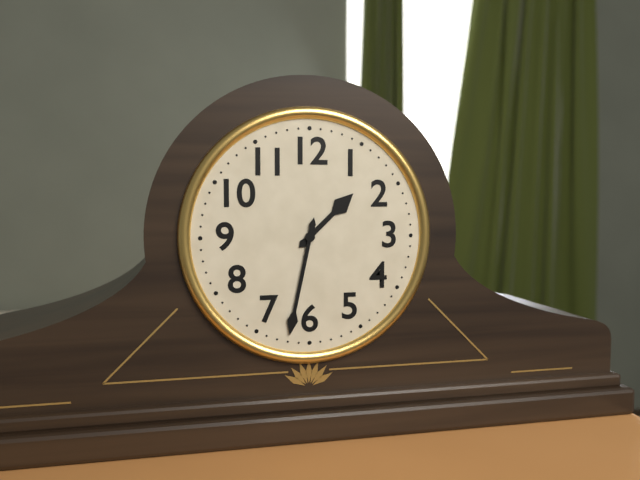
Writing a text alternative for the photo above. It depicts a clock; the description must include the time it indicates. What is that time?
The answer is 1:32
